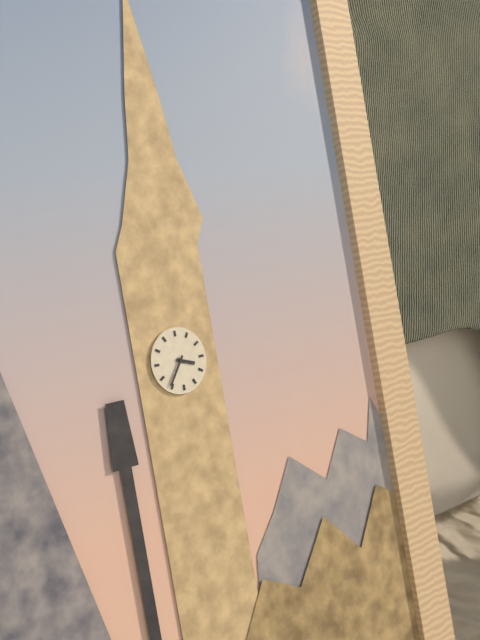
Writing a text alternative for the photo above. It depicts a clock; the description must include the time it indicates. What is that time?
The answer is 3:36
